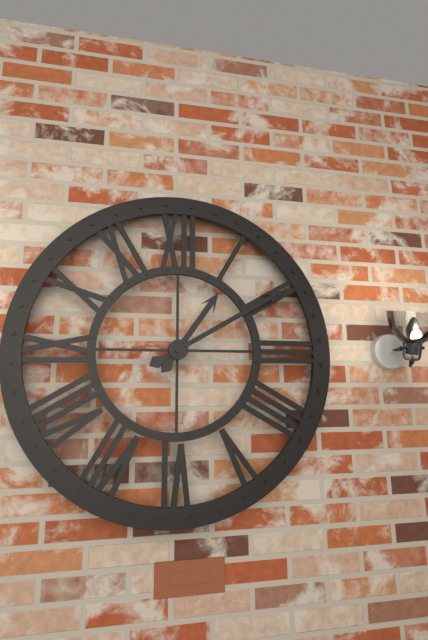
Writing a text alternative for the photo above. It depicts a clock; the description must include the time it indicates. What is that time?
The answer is 1:10
